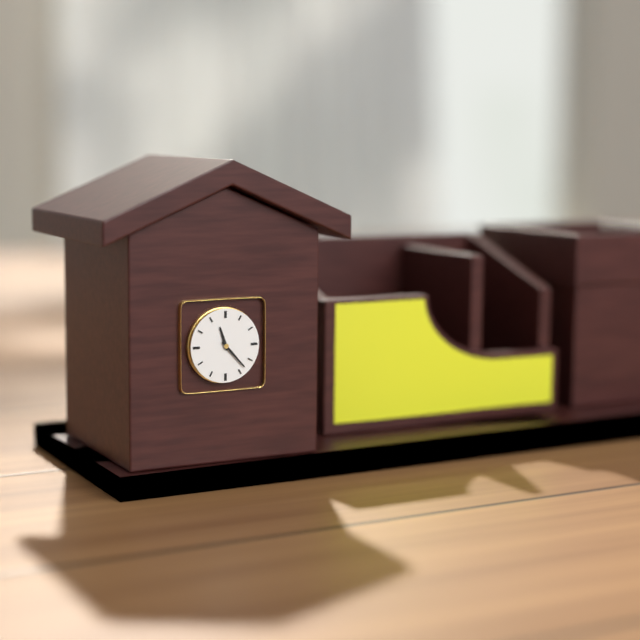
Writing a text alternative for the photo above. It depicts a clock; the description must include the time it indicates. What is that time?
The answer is 11:23
